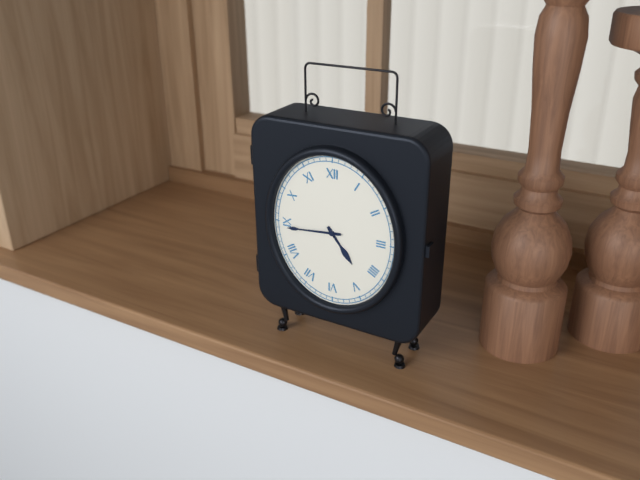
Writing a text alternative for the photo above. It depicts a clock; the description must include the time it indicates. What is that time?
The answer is 4:44
